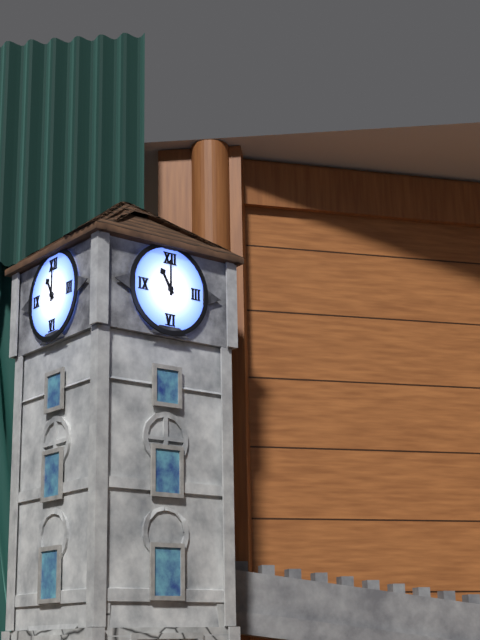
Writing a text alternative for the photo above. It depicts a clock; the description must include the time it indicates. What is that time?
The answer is 11:00
